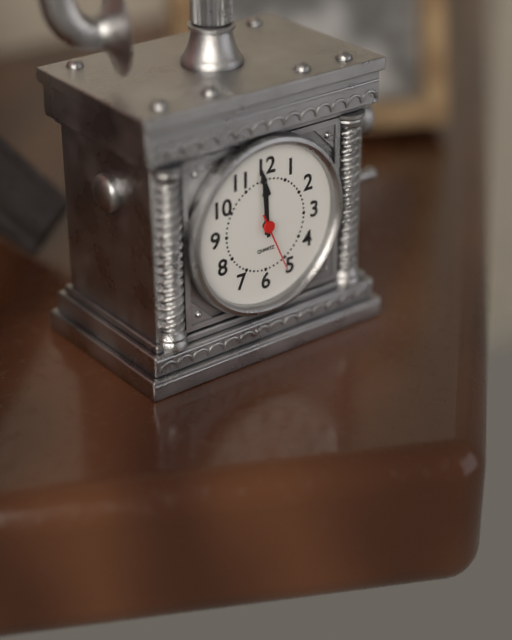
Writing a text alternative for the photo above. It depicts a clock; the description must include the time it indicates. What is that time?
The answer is 11:59:26
